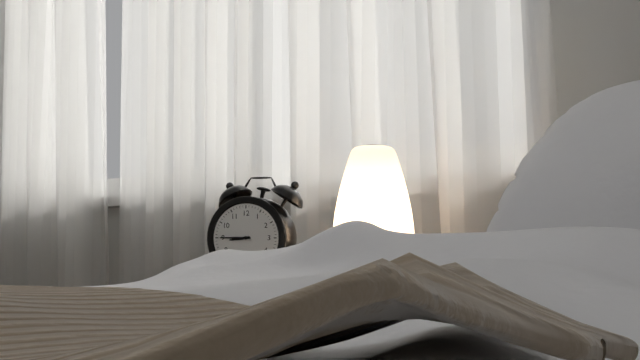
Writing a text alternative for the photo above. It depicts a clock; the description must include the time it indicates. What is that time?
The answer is 8:45
